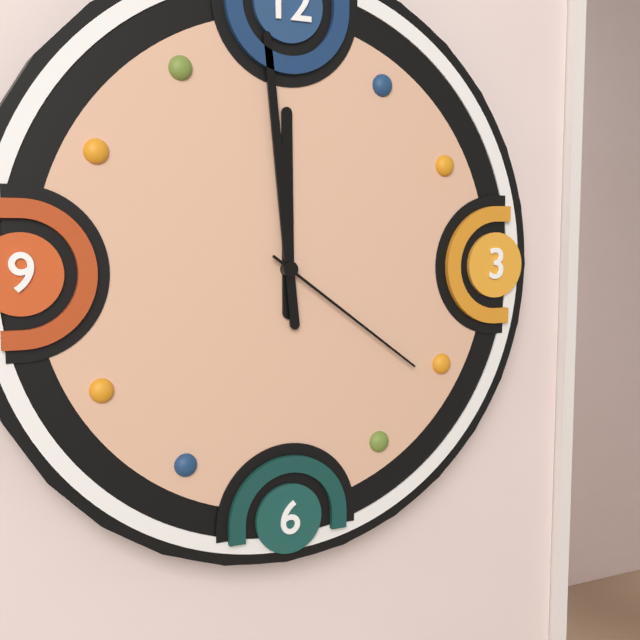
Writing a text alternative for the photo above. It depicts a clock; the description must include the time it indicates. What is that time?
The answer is 11:59:21
